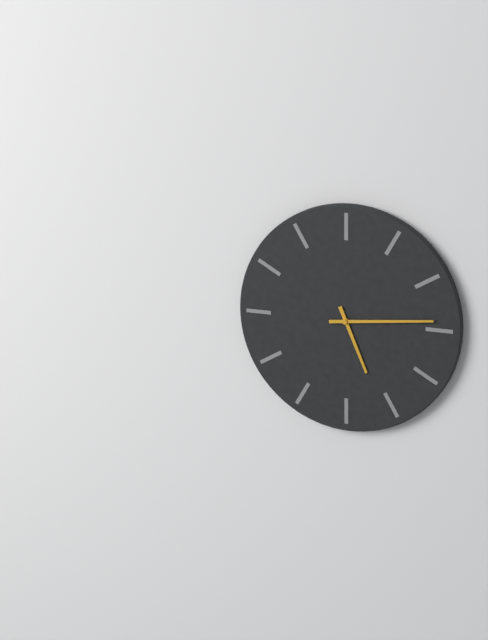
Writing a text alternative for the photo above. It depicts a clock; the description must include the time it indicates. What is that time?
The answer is 5:14
